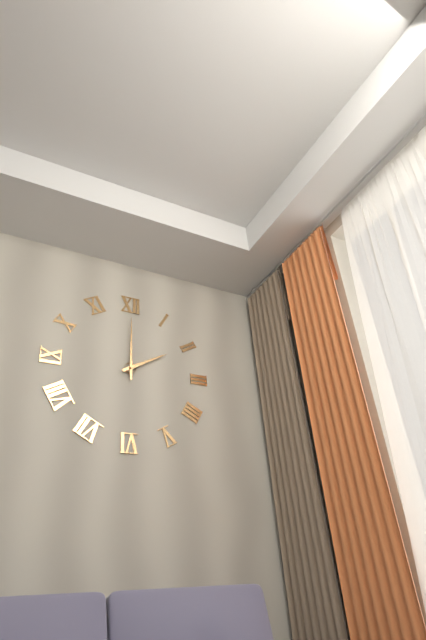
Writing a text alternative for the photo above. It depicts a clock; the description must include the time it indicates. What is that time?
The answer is 2:00
